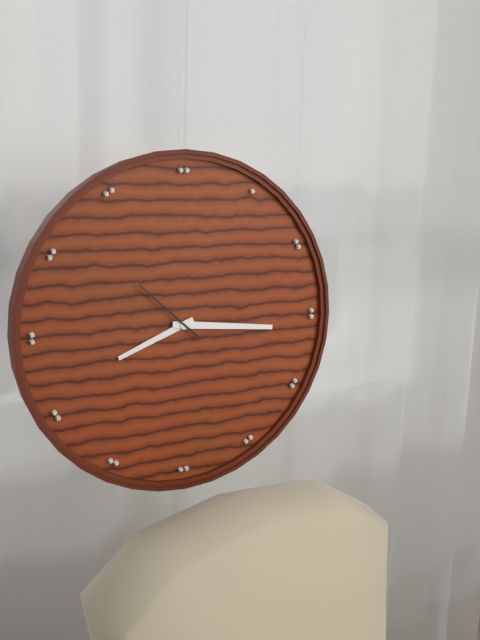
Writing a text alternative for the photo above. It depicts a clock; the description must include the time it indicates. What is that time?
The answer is 8:16:52
